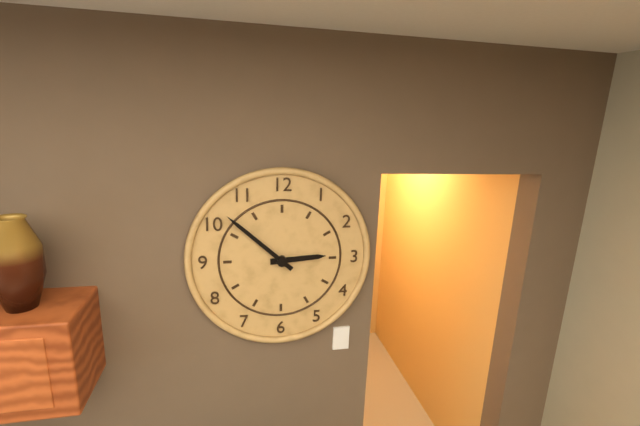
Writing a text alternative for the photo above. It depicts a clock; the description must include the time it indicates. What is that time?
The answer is 2:52
